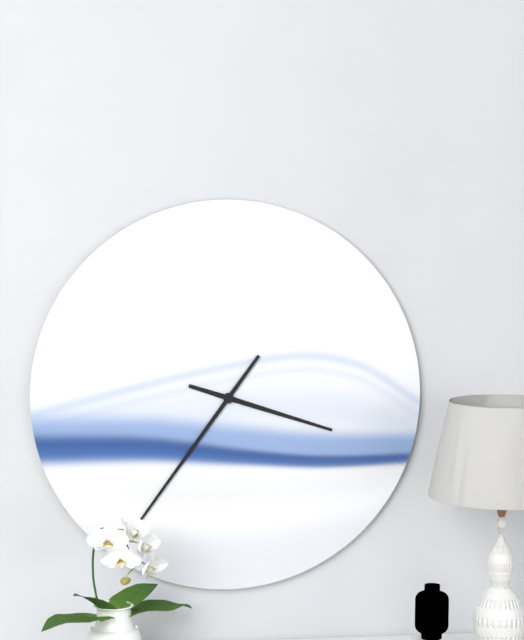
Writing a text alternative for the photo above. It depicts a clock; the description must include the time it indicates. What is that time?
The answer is 3:36
